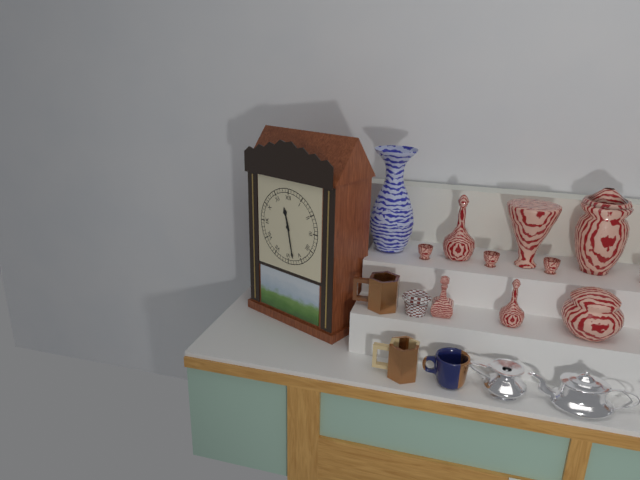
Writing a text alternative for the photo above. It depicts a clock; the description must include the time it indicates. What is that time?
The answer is 11:28
